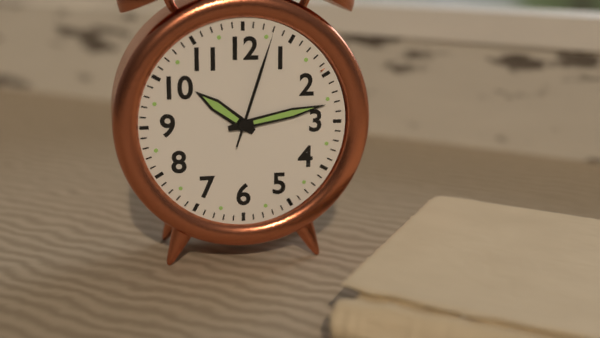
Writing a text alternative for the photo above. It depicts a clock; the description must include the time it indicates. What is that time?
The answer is 10:13:03
